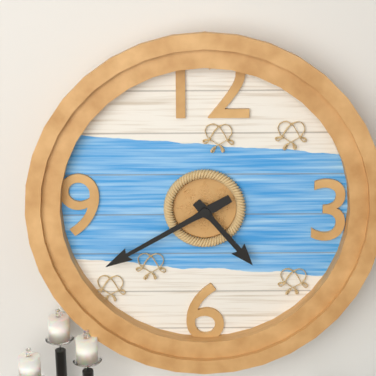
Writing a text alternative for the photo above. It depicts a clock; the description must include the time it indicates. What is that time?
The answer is 4:40
